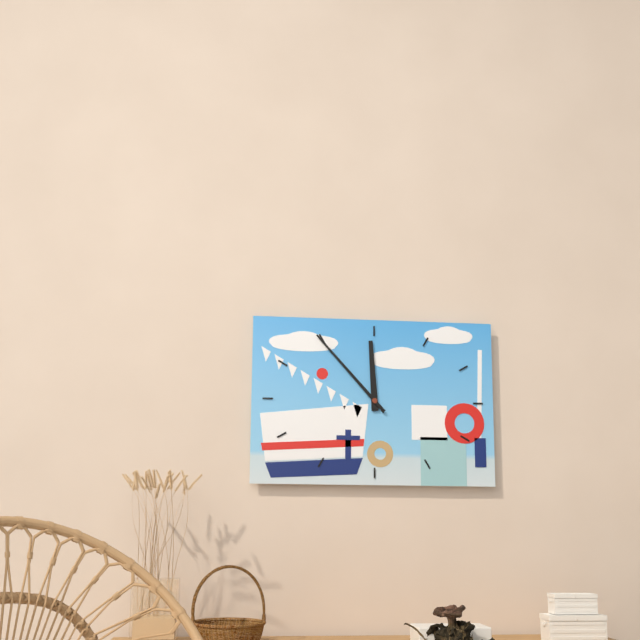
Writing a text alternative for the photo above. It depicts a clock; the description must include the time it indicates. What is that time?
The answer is 11:53
